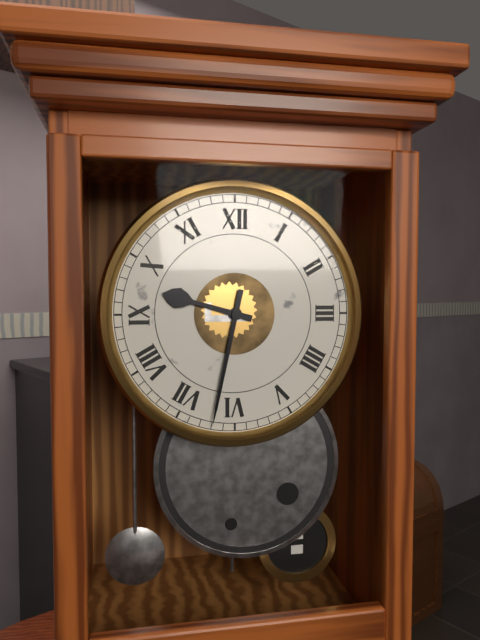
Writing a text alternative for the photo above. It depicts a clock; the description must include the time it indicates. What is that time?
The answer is 9:32
